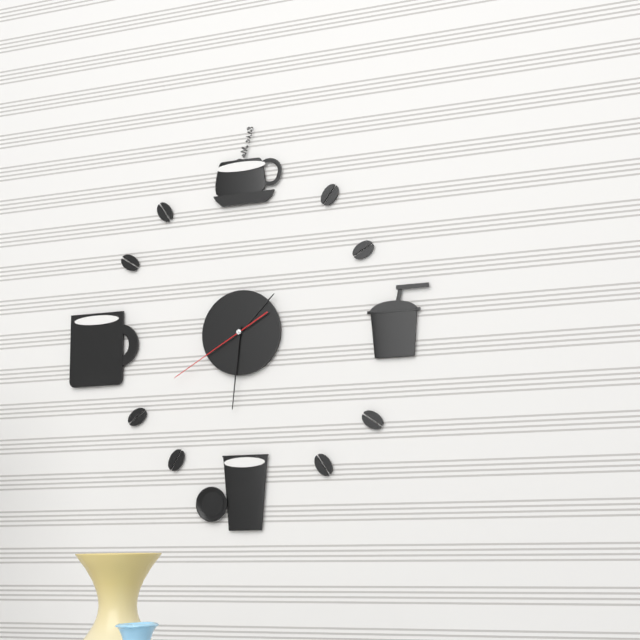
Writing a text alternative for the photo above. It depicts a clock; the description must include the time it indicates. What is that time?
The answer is 1:31:40
